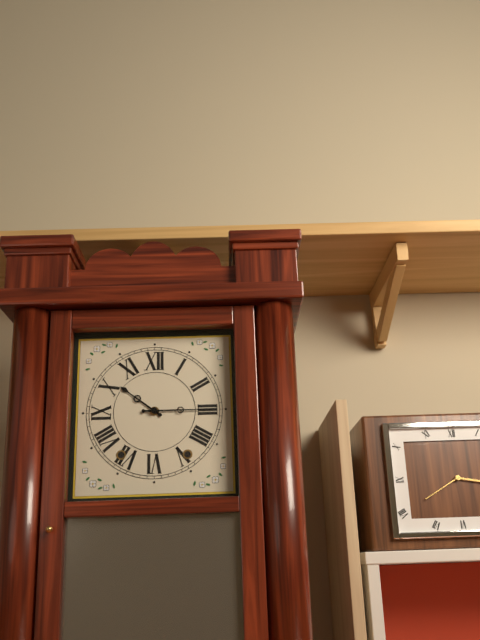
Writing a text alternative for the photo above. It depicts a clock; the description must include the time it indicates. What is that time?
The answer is 10:15
